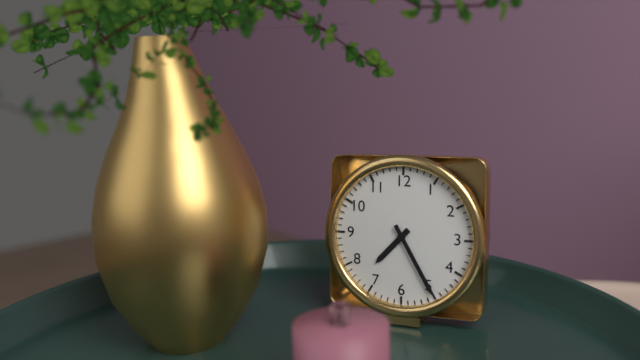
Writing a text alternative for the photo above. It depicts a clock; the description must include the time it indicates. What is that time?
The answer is 7:25
